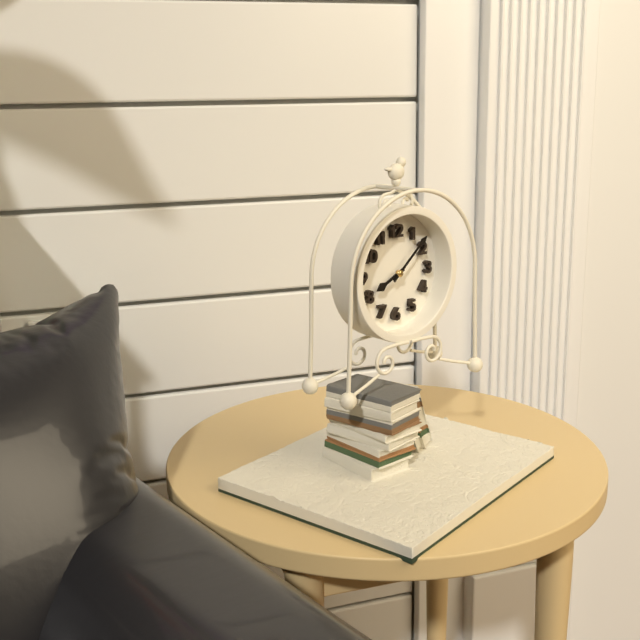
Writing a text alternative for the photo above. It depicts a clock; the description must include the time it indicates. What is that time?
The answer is 8:08
